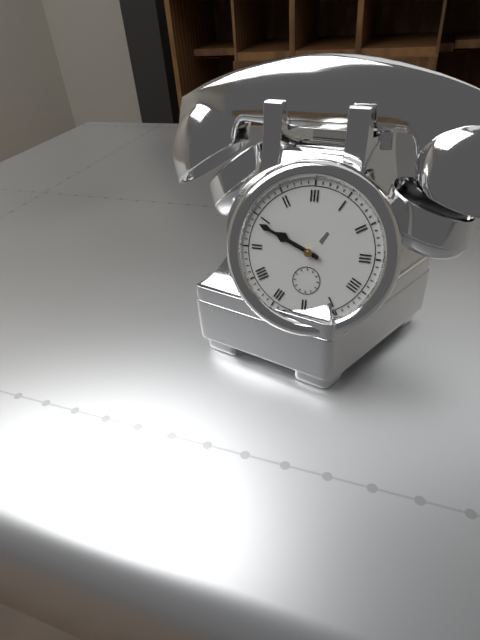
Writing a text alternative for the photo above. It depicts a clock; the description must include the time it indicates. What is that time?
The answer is 9:49
